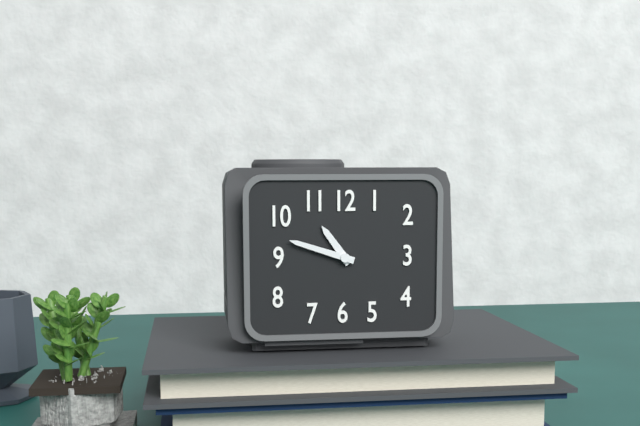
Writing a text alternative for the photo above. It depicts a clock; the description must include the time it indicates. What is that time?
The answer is 10:48
